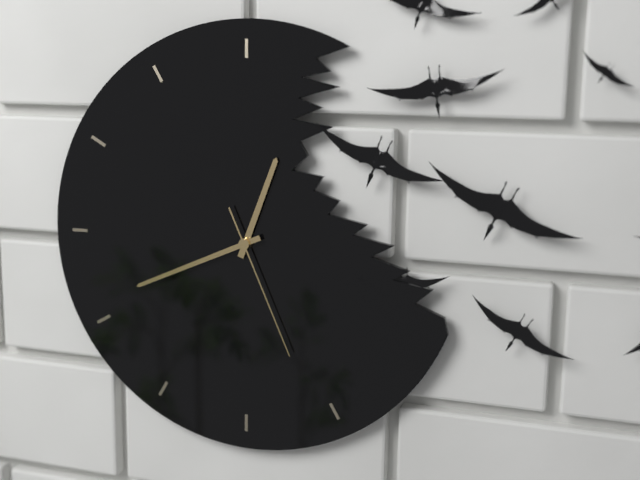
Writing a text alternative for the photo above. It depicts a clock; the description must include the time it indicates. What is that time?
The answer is 12:41:26
